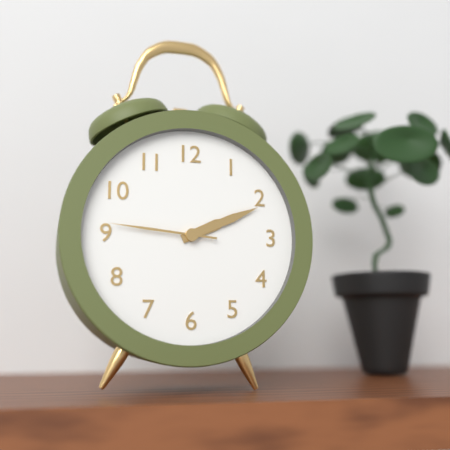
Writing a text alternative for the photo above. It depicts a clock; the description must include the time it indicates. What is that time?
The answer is 2:11:46
